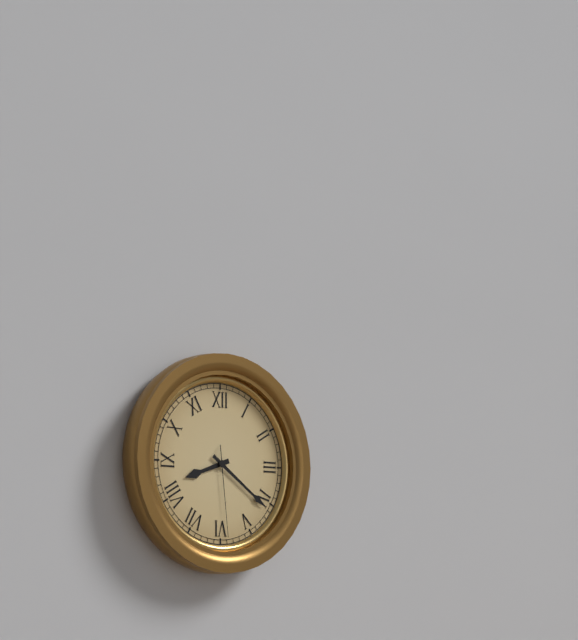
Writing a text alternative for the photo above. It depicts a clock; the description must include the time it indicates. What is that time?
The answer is 8:21:29
